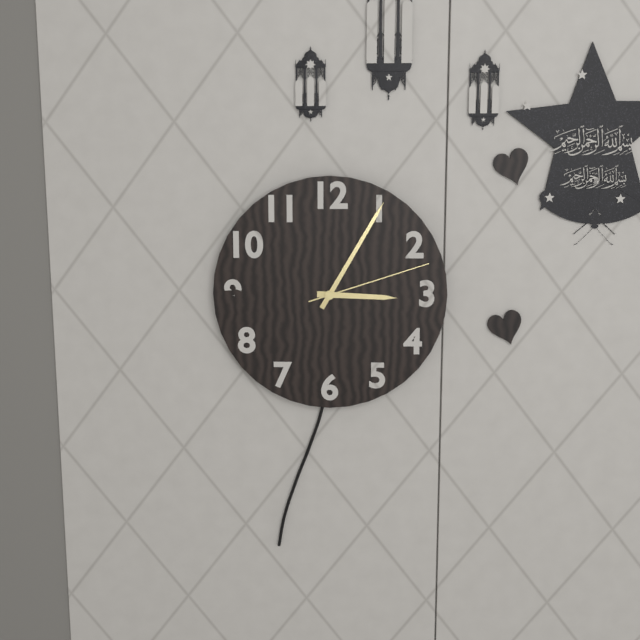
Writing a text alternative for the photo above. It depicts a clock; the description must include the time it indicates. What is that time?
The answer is 3:05:12
